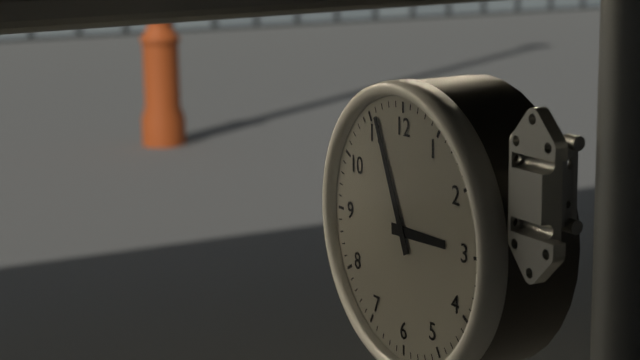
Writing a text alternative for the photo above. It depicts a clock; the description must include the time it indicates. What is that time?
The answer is 2:56
